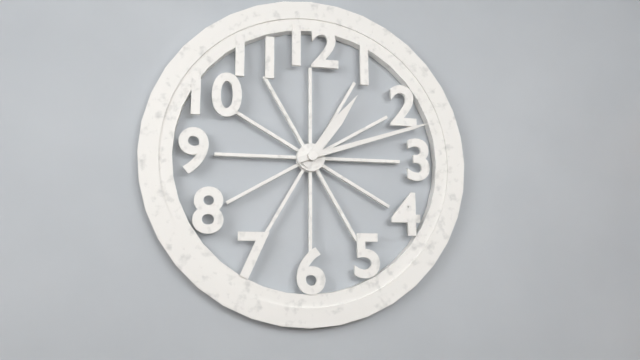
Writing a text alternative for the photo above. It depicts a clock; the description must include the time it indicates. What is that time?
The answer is 1:12
